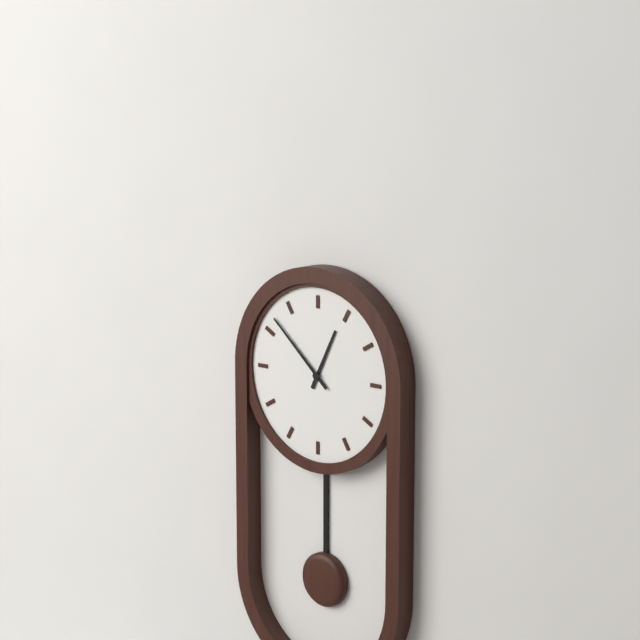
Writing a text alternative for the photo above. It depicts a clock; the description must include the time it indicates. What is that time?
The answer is 12:52
